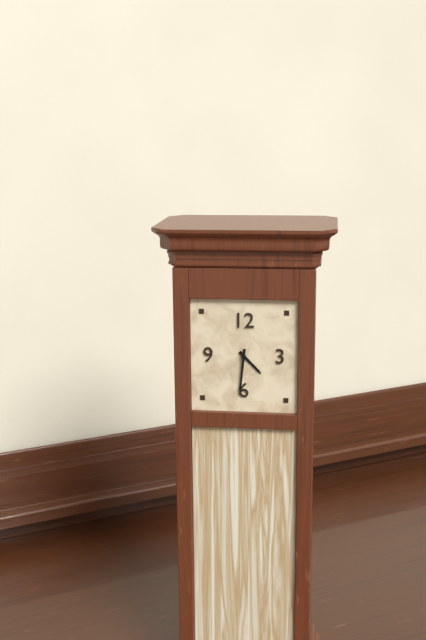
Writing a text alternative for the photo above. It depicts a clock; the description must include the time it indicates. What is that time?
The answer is 4:31
